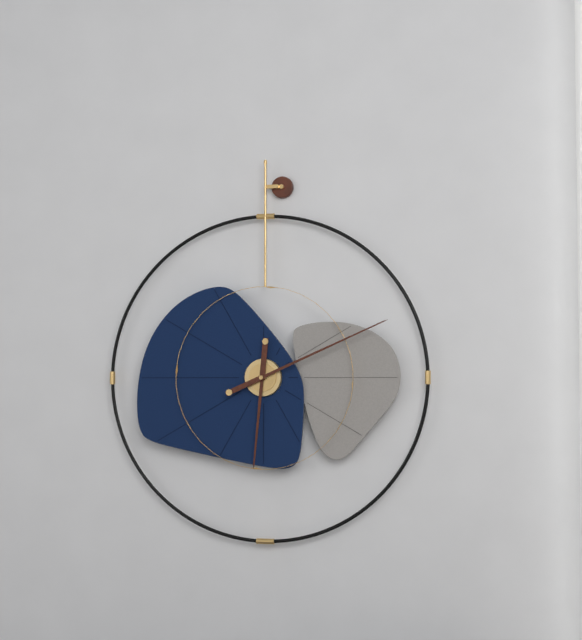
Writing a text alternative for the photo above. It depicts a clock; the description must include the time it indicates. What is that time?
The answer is 6:11
